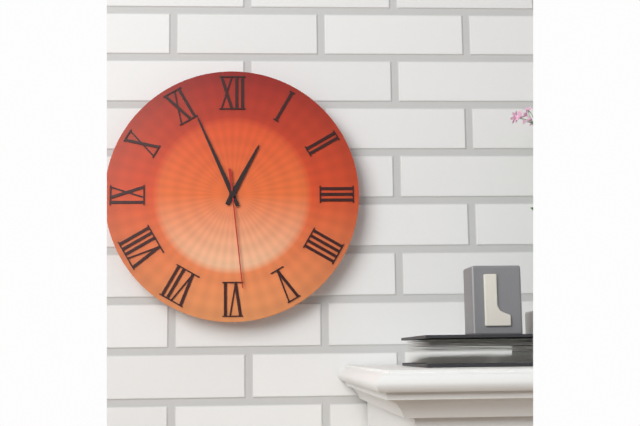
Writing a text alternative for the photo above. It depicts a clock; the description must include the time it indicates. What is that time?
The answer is 12:56:29
